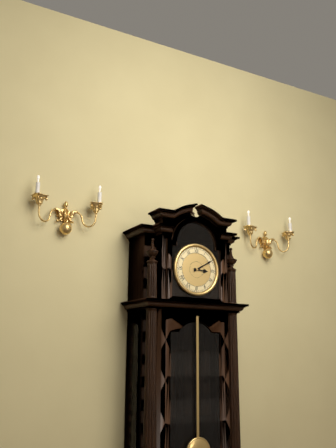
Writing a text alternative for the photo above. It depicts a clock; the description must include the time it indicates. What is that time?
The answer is 3:10
